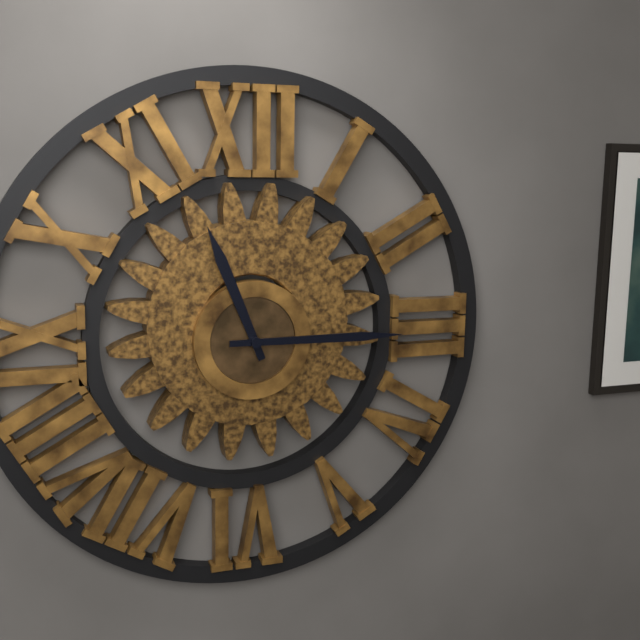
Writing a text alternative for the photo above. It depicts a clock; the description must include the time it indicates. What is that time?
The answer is 11:15
